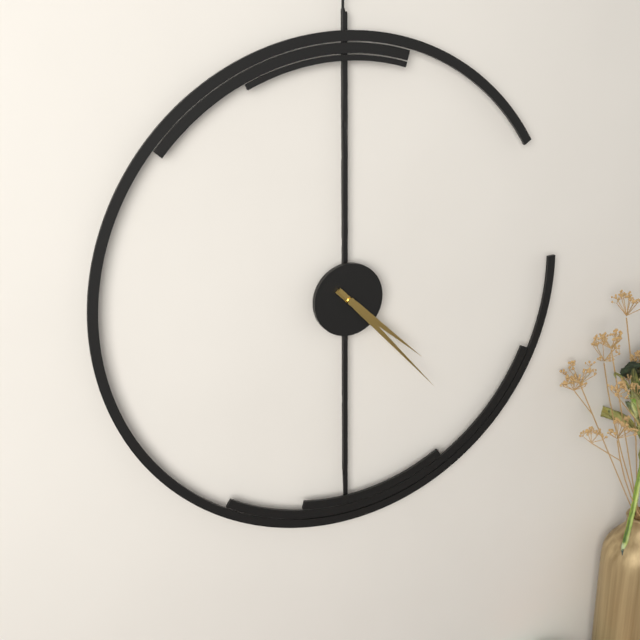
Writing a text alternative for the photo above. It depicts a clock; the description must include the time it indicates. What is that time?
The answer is 4:23
